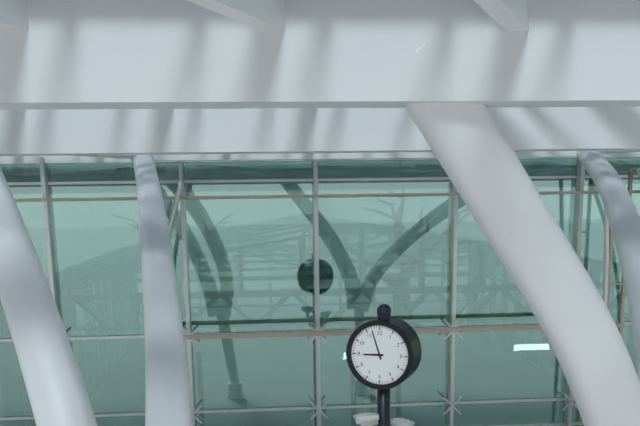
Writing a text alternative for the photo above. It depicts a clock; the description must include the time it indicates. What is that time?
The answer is 8:57
